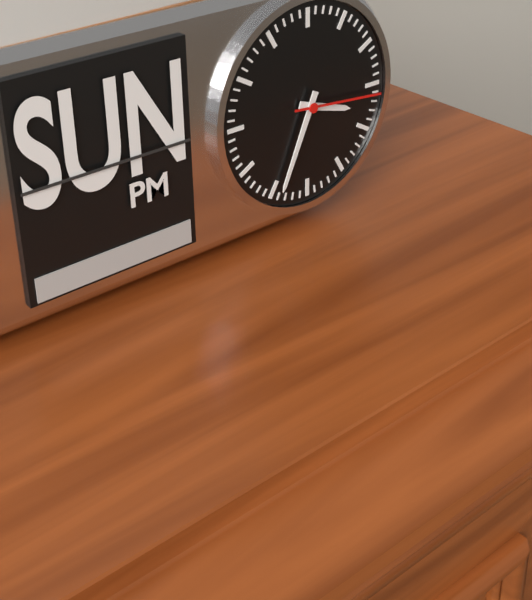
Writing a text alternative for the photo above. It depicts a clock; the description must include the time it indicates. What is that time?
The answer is 3:34:16
